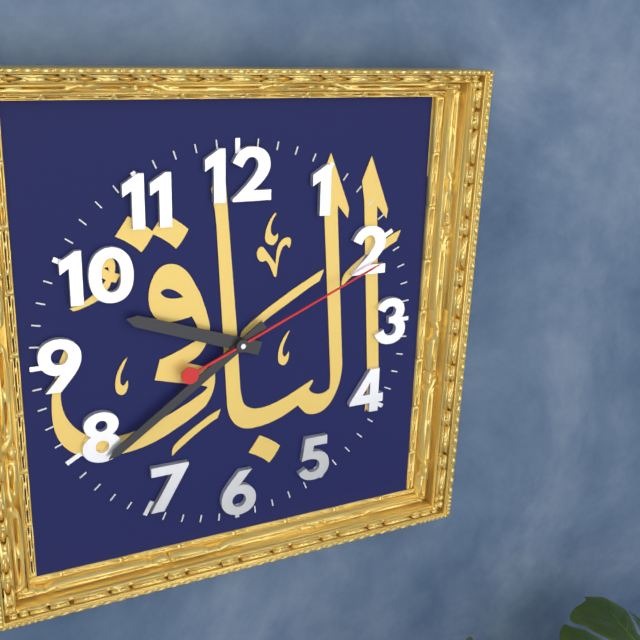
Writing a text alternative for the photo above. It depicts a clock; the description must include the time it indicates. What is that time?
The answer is 9:39:11
